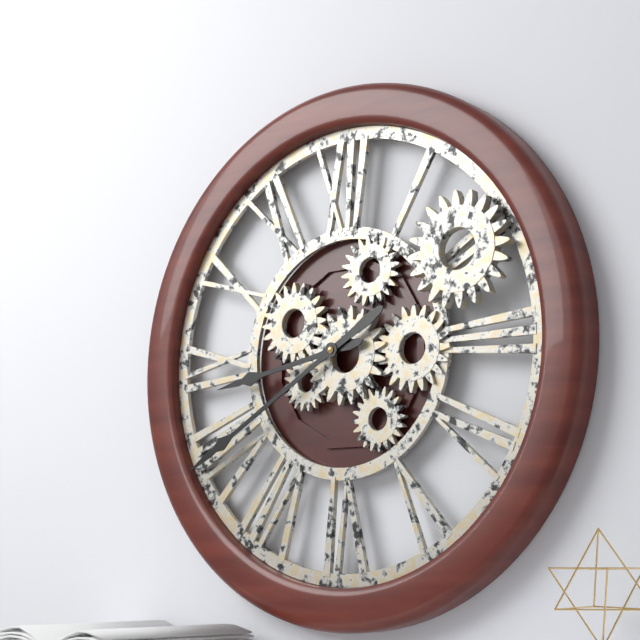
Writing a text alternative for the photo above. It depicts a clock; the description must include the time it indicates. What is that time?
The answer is 8:40
